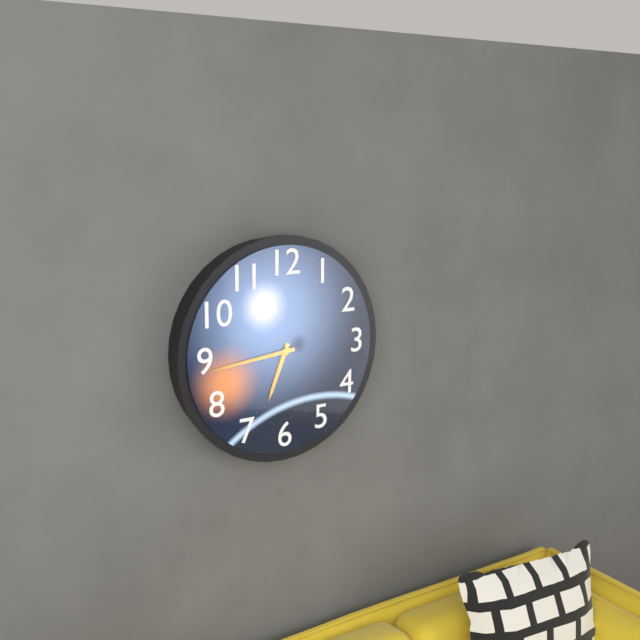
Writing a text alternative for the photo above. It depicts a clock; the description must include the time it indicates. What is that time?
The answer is 6:44
